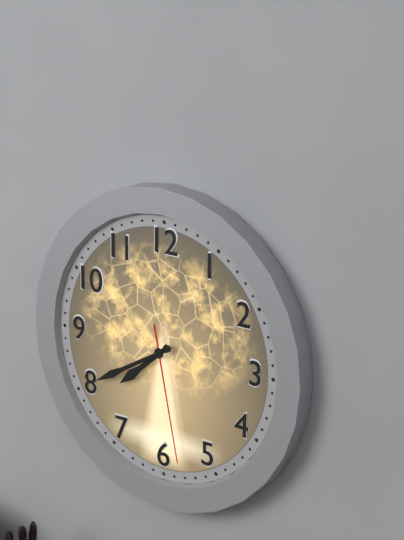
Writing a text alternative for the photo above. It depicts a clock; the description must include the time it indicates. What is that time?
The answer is 7:40:28
